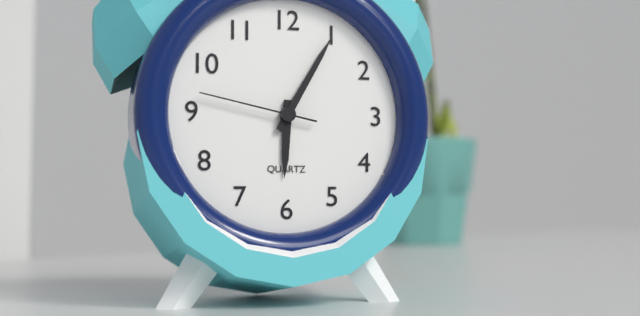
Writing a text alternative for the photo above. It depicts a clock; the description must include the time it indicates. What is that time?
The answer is 6:05:47
